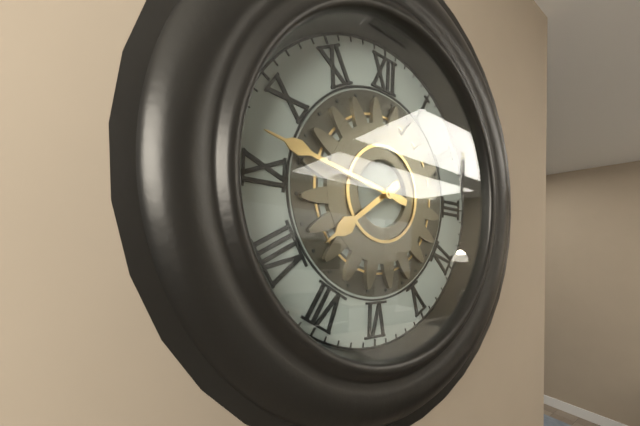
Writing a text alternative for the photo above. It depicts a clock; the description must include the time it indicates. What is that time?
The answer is 7:47
